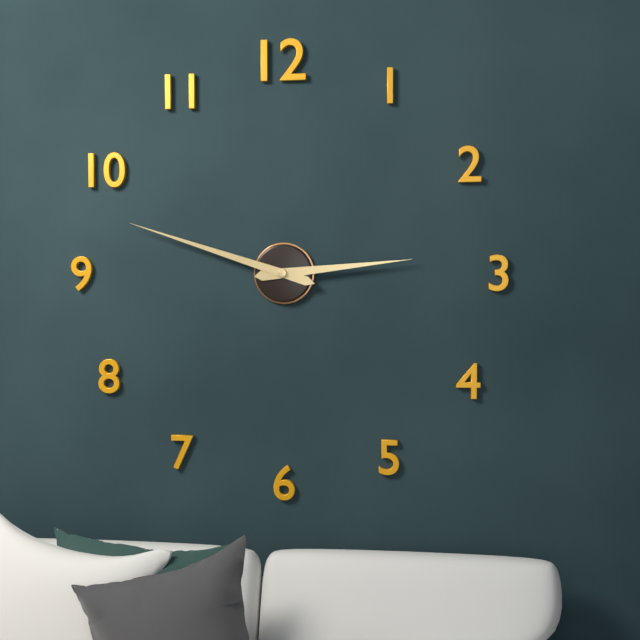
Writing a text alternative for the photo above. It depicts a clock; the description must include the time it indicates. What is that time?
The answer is 2:48
